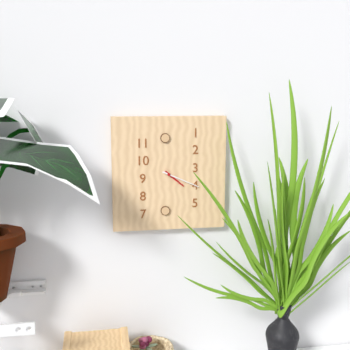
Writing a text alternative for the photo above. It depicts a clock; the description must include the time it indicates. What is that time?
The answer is 4:19
